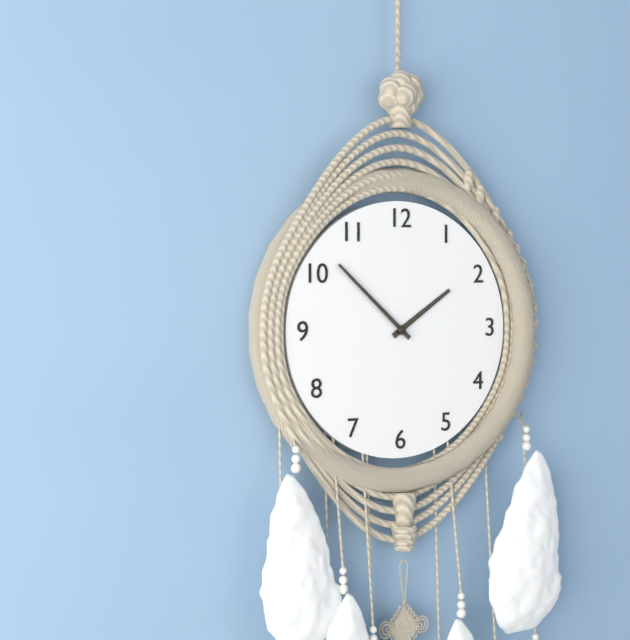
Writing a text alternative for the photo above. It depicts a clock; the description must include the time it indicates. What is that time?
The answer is 1:52
